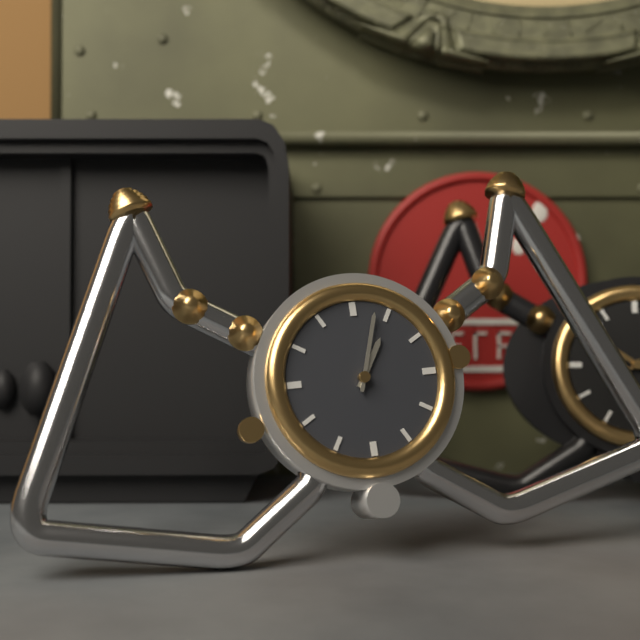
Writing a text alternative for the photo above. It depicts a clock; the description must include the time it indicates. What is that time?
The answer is 1:03
